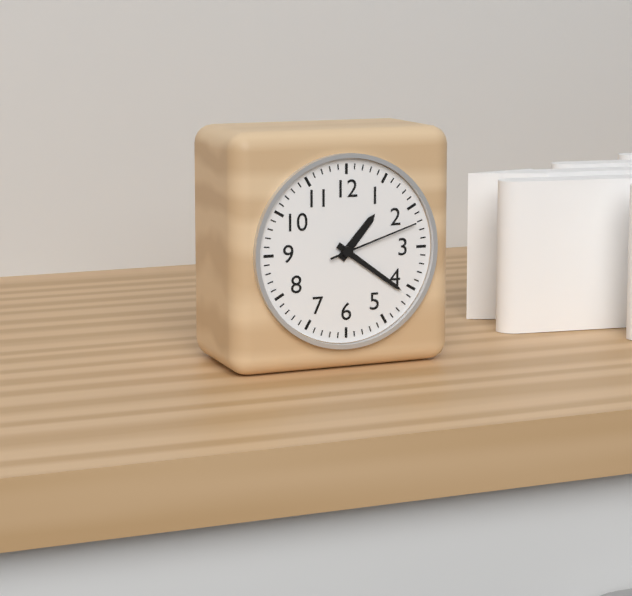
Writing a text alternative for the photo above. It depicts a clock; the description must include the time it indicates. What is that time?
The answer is 1:21:12
